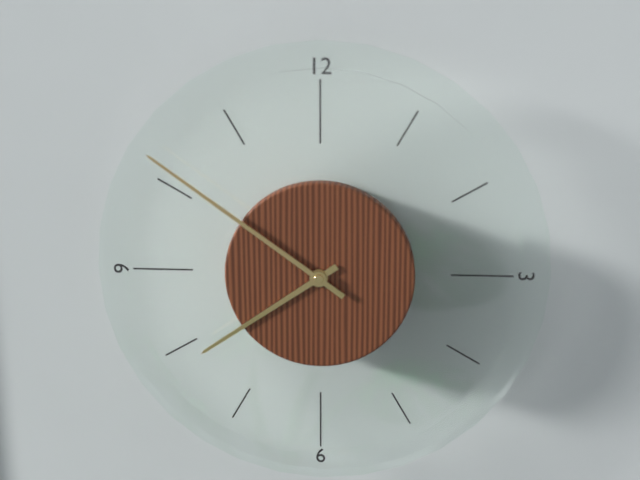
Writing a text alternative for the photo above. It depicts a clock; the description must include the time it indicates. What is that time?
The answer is 7:51
